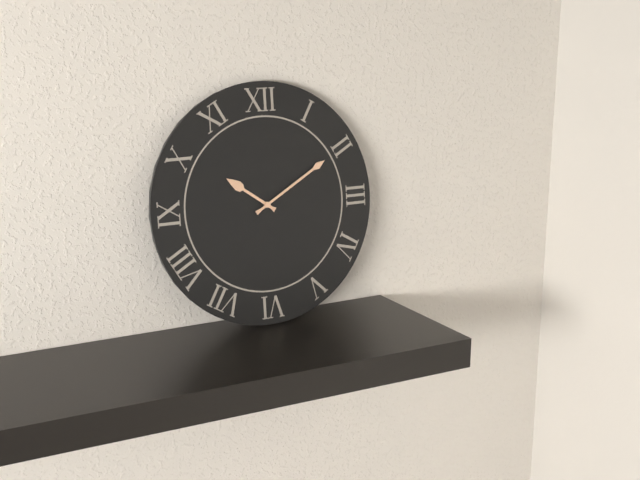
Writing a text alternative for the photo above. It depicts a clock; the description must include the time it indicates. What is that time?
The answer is 10:10
